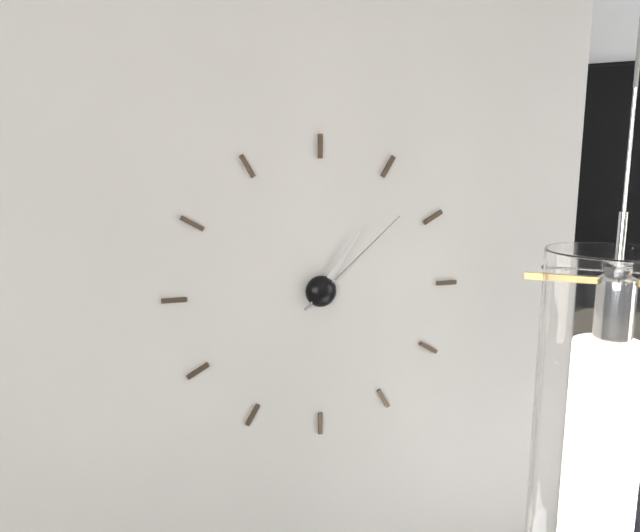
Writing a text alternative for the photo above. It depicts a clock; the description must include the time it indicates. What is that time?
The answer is 1:08
